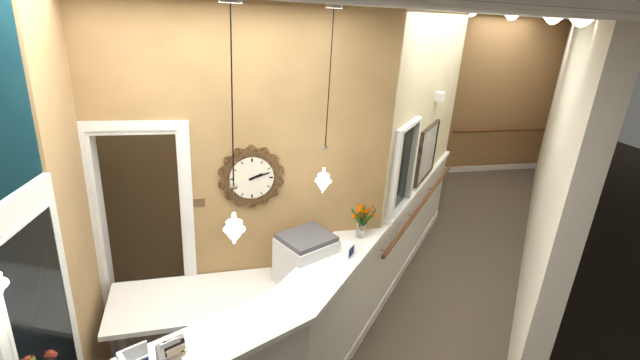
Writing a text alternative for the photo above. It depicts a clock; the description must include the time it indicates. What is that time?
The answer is 2:12
